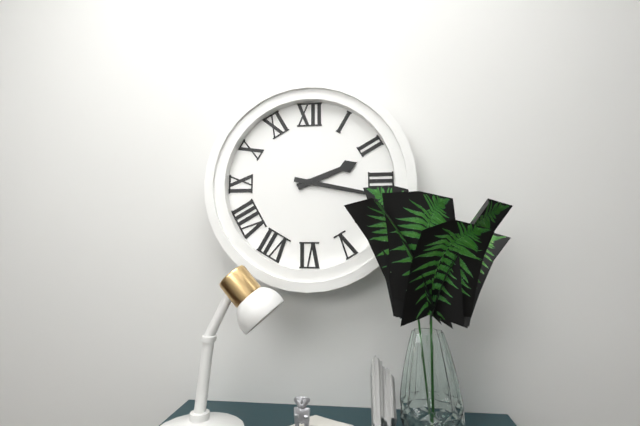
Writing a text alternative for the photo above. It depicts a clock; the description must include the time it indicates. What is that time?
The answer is 2:17
